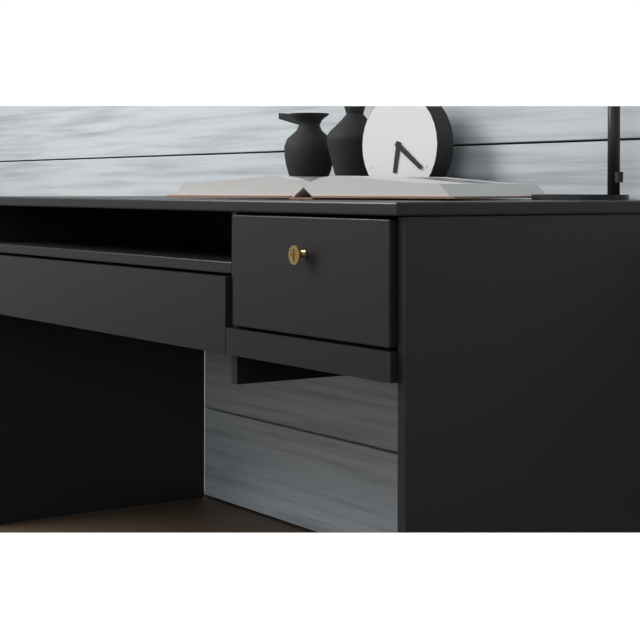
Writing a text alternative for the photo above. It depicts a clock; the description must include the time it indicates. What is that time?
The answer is 6:21
